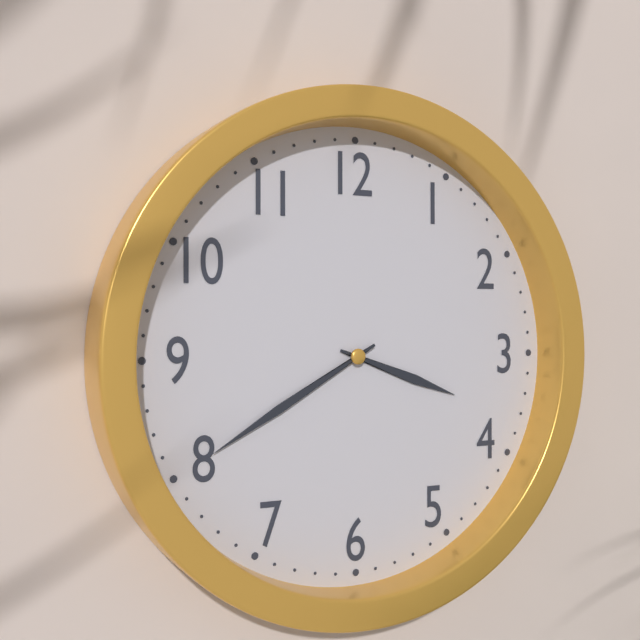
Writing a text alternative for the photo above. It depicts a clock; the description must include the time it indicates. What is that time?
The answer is 3:40
